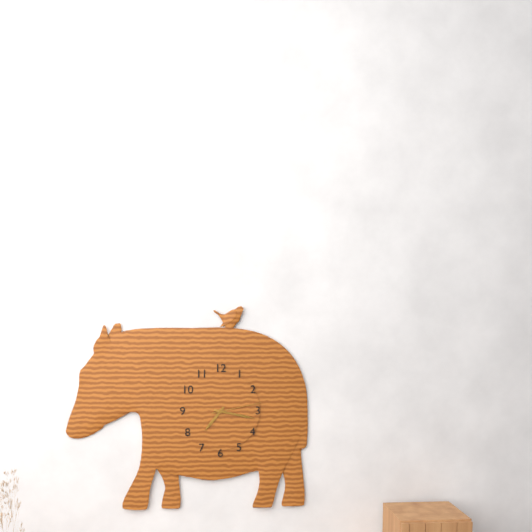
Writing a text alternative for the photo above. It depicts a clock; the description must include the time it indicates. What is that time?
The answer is 7:17:13
